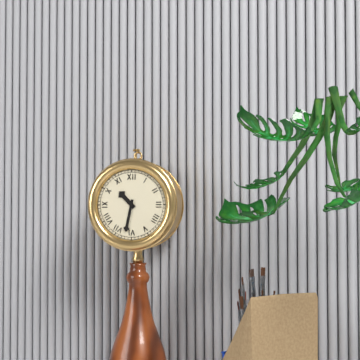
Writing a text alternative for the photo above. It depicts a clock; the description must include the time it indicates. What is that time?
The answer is 10:32
